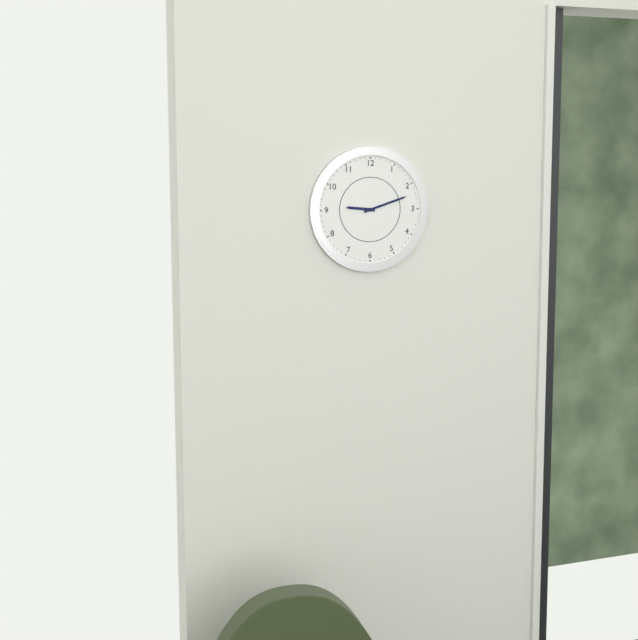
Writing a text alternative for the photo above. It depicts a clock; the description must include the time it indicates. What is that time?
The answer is 9:12
